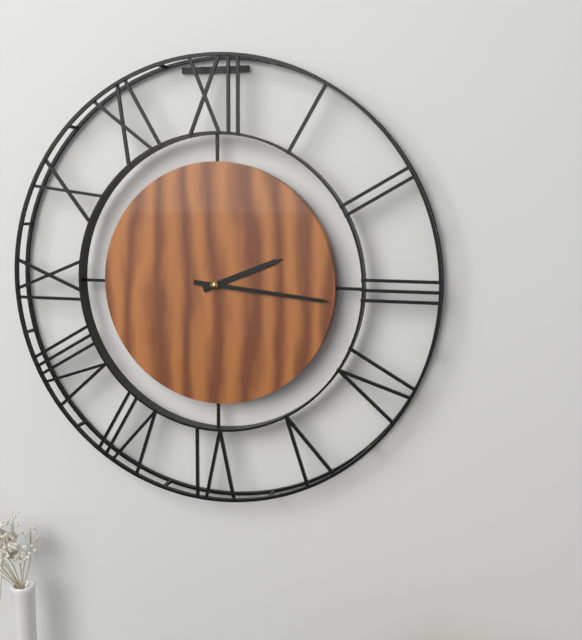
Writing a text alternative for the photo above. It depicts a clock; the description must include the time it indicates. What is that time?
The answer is 2:16
